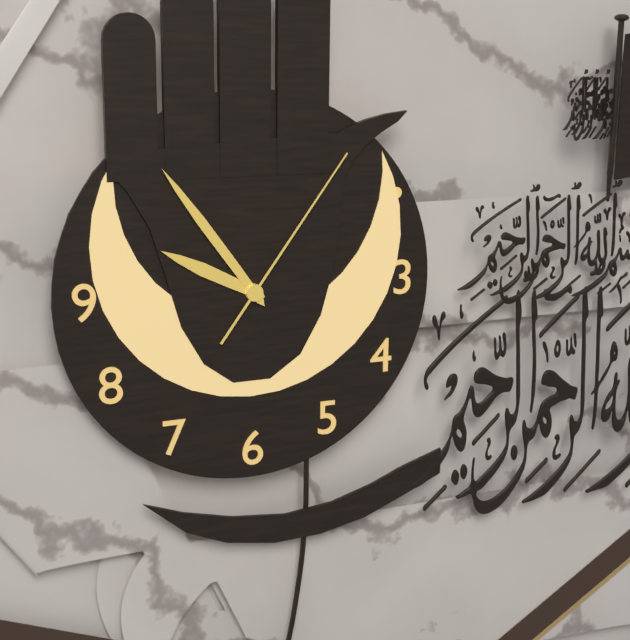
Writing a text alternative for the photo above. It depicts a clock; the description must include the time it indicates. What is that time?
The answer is 9:54:06
